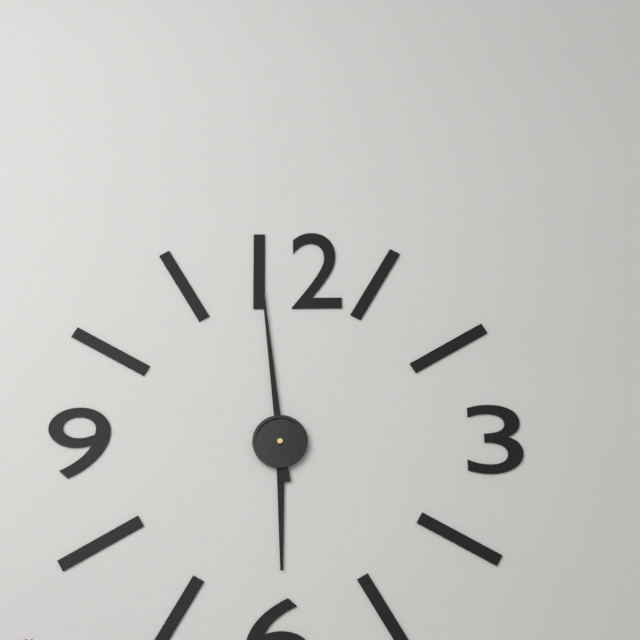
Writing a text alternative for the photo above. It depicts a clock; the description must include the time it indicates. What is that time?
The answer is 5:59
